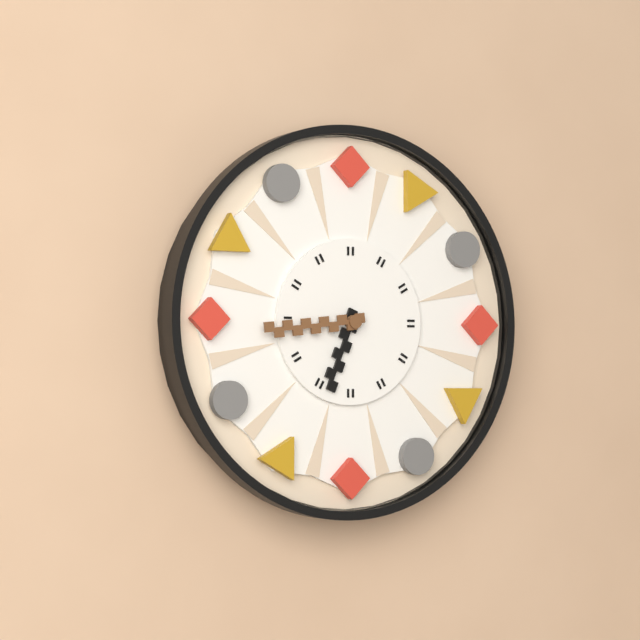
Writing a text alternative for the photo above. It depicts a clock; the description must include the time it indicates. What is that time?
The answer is 6:44
